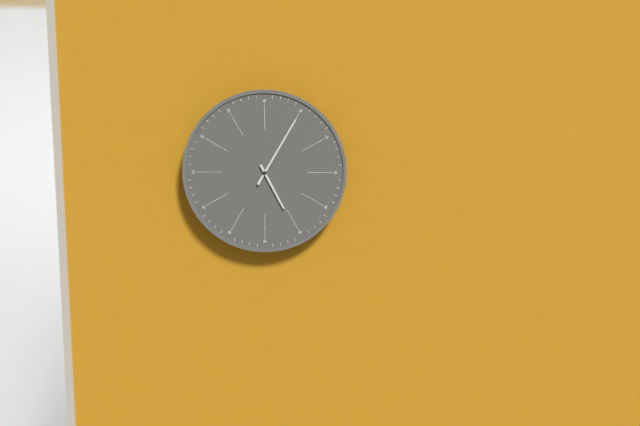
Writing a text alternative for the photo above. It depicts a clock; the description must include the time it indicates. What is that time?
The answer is 5:05
